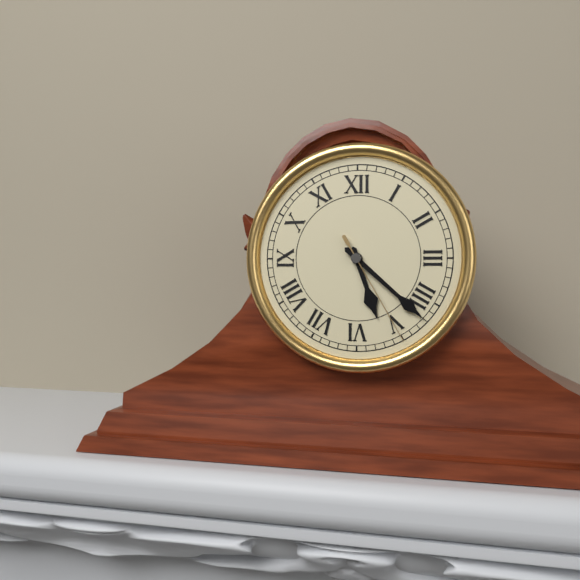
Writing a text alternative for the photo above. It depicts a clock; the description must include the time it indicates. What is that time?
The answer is 5:22:25
